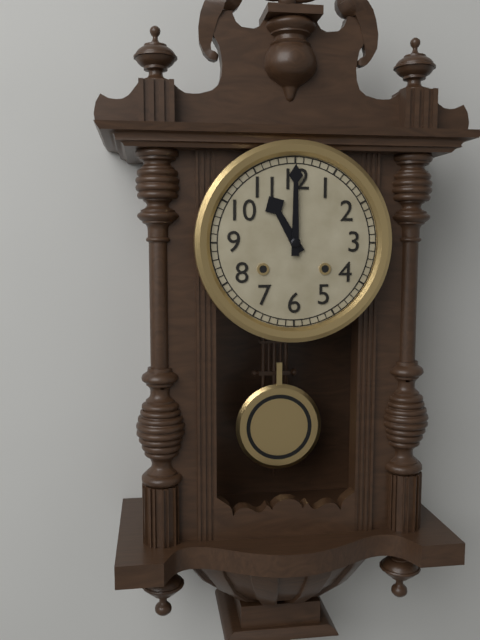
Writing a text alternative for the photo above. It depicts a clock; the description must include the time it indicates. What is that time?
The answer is 11:00
